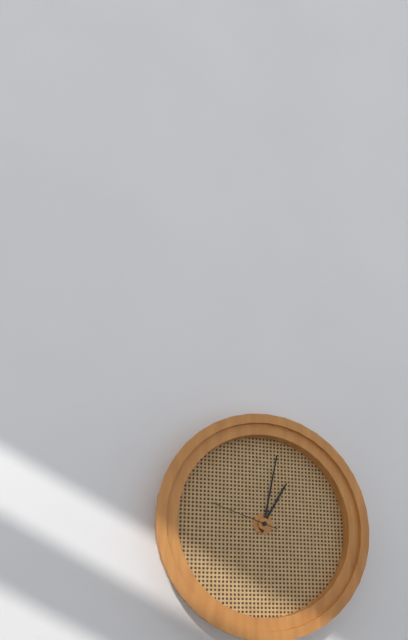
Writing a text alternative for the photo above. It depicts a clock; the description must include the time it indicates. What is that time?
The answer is 1:02:48
